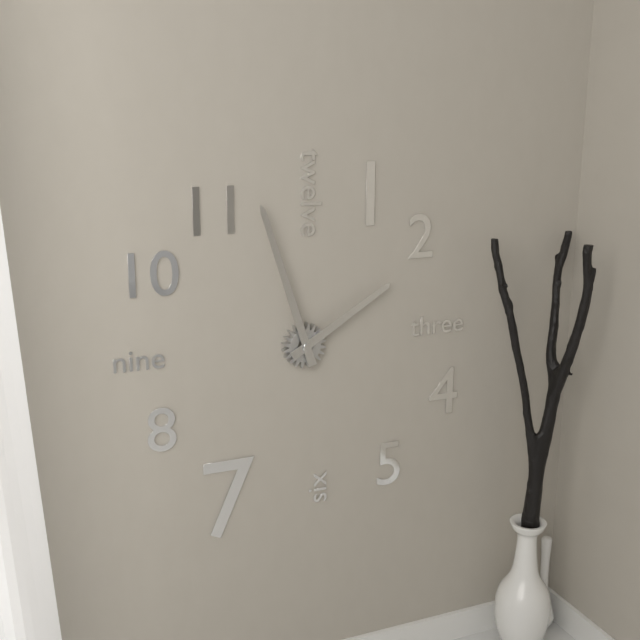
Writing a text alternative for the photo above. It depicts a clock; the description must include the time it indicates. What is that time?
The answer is 1:57
